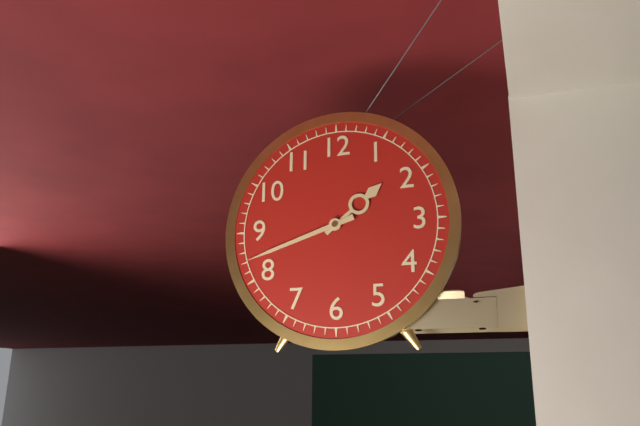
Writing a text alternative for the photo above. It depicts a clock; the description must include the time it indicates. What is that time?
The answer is 1:42
